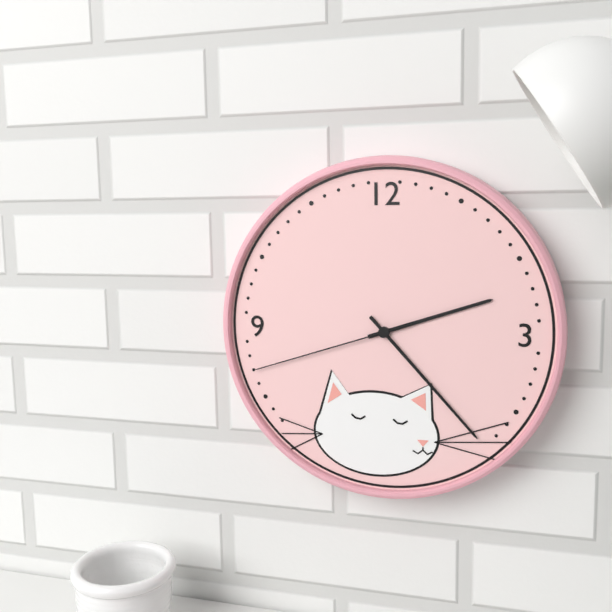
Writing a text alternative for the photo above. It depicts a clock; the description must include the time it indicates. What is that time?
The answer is 2:23:42
